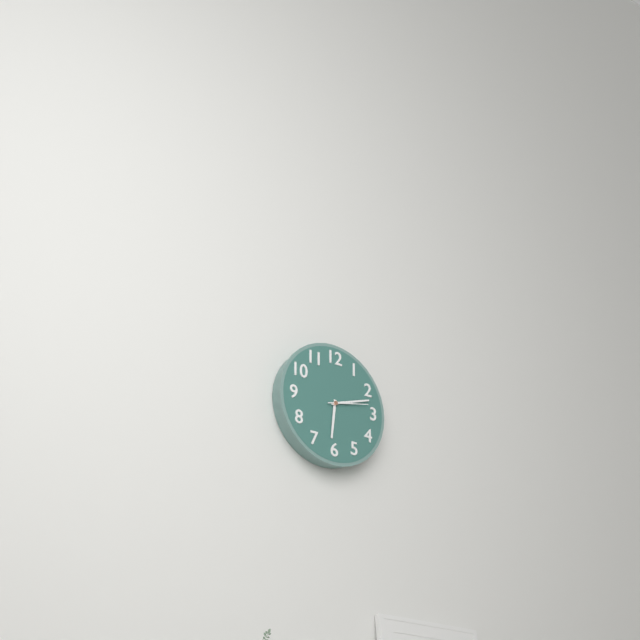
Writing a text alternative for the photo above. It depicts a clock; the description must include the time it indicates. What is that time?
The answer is 6:12
